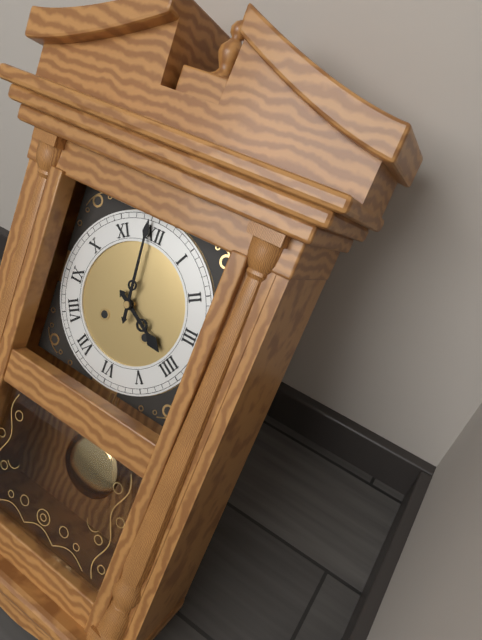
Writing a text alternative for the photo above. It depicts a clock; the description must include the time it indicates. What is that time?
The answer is 3:59
